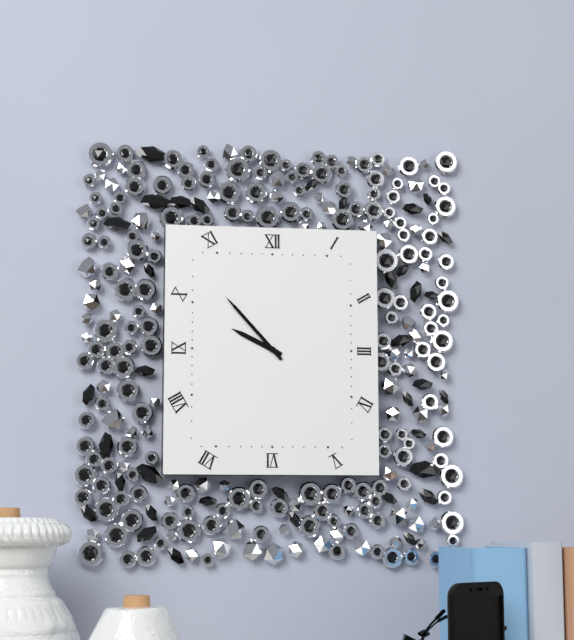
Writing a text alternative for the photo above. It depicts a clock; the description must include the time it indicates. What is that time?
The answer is 9:53
